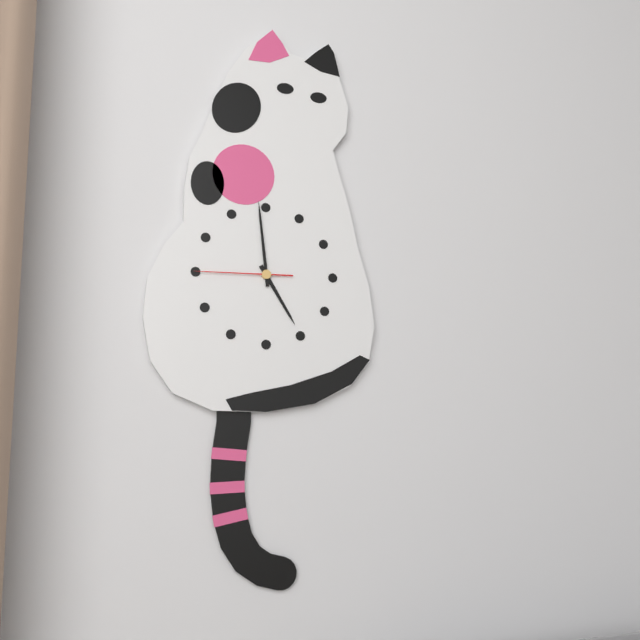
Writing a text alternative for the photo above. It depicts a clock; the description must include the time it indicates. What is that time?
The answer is 4:59:45
